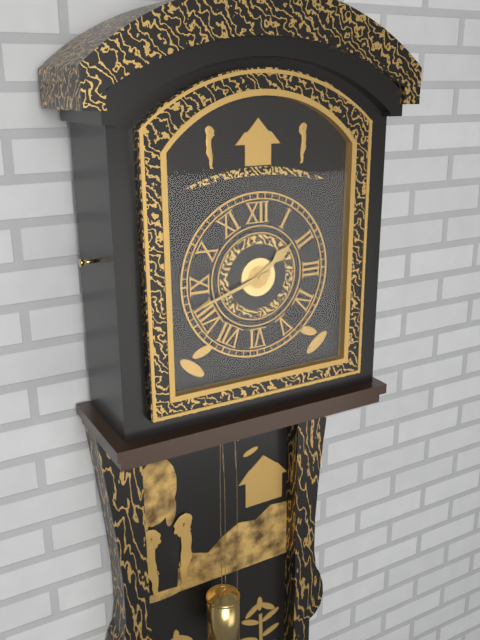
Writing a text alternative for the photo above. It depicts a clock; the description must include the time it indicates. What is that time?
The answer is 1:42
